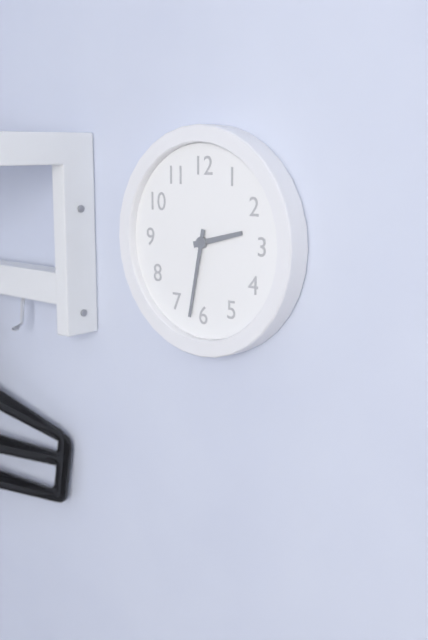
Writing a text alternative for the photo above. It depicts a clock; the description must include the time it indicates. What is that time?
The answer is 2:32
